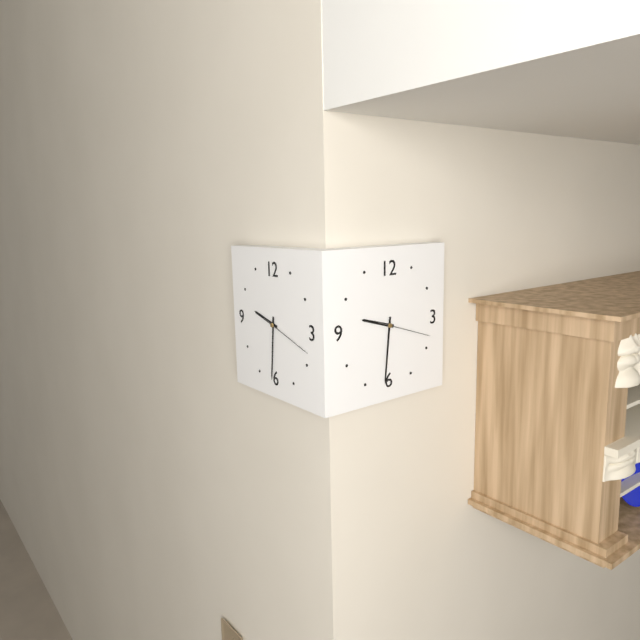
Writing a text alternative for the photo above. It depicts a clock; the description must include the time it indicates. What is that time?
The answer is 9:31:18
